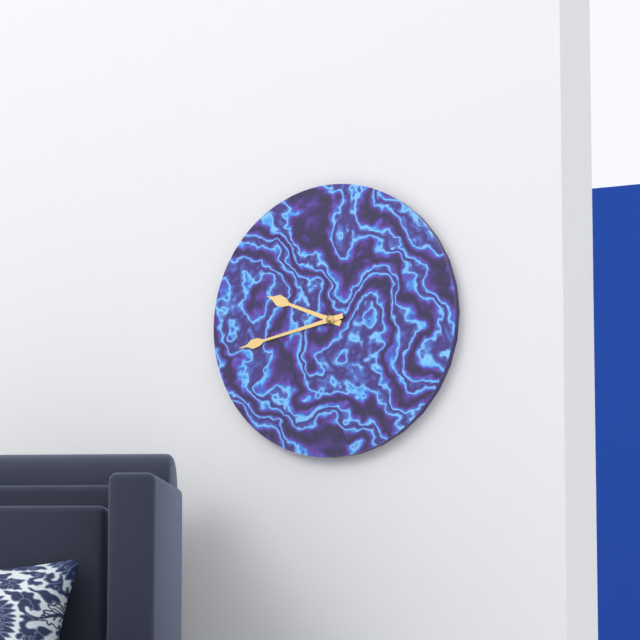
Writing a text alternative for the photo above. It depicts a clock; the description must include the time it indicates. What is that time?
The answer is 9:43
